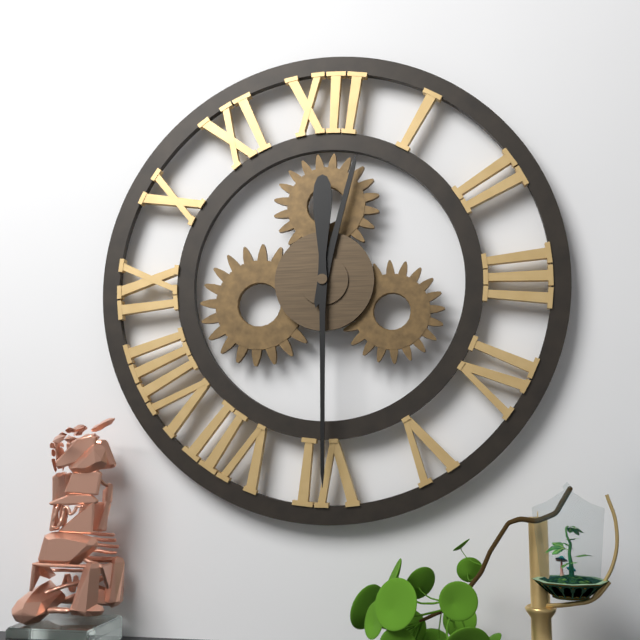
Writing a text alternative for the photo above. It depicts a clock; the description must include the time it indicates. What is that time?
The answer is 12:30
